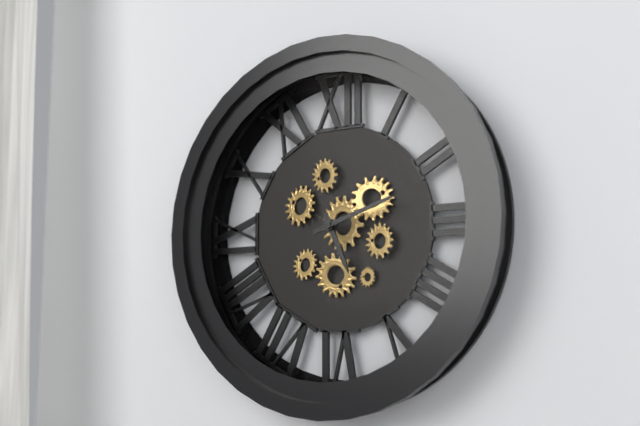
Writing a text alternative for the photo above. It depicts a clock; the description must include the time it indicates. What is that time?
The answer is 5:12
